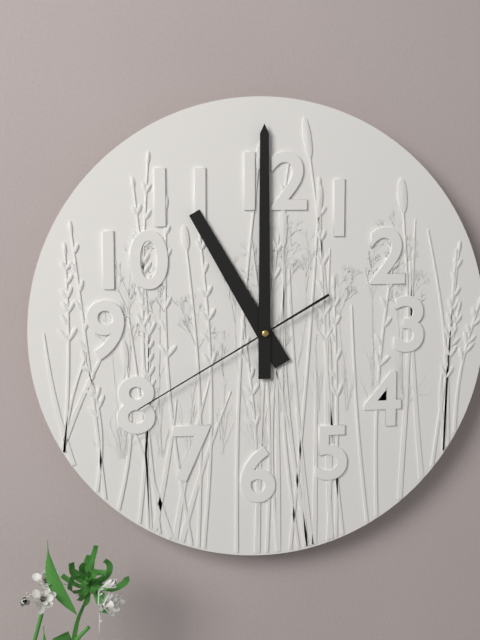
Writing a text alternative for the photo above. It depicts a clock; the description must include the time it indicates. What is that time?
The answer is 11:00:40
